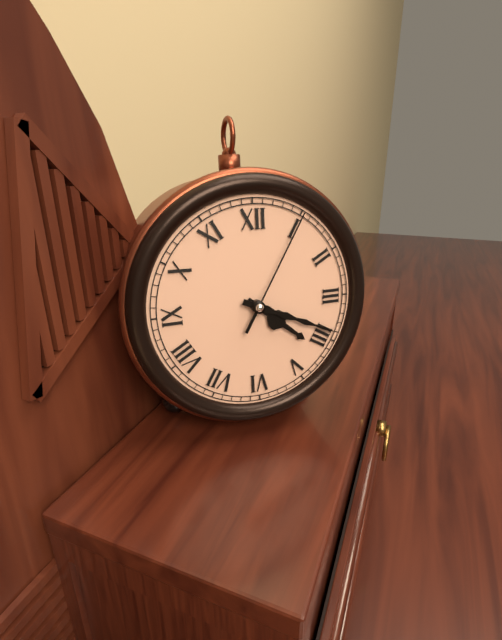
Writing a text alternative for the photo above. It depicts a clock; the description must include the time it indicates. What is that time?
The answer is 4:19:05
